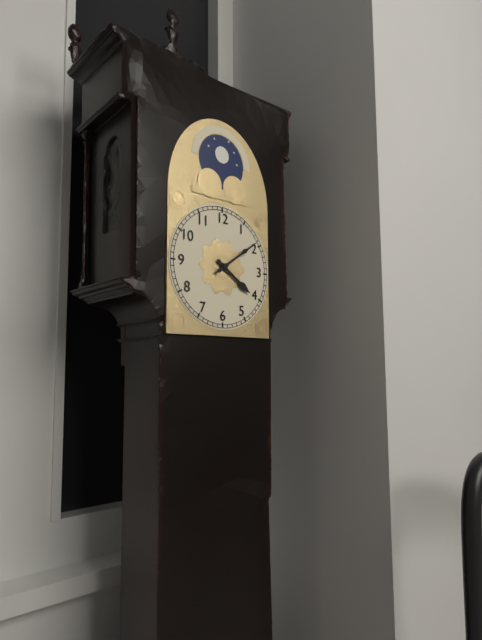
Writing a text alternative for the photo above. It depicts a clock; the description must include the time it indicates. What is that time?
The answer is 4:09
